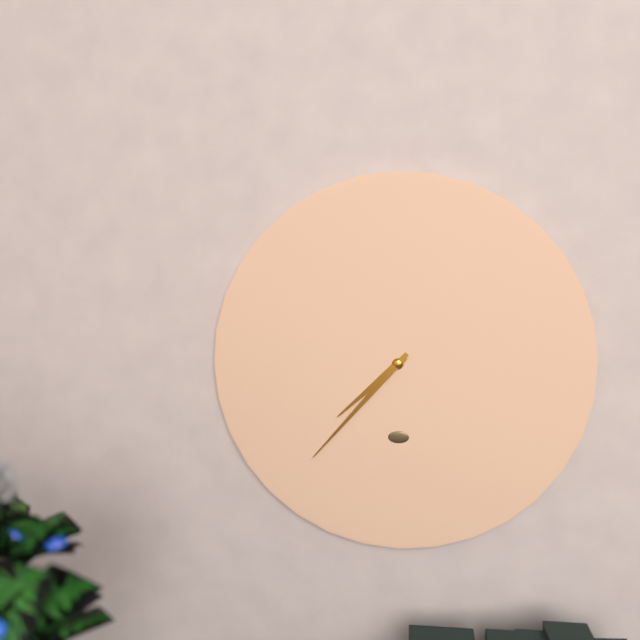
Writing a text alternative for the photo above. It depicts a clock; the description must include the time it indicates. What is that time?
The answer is 7:37
